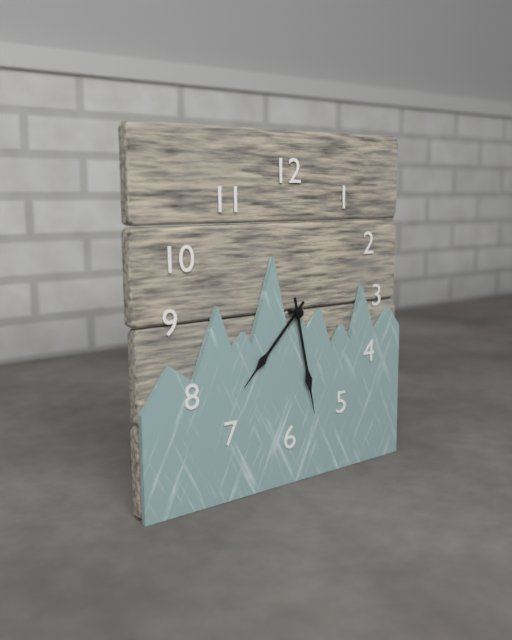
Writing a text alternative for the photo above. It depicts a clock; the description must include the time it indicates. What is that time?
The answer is 7:28
